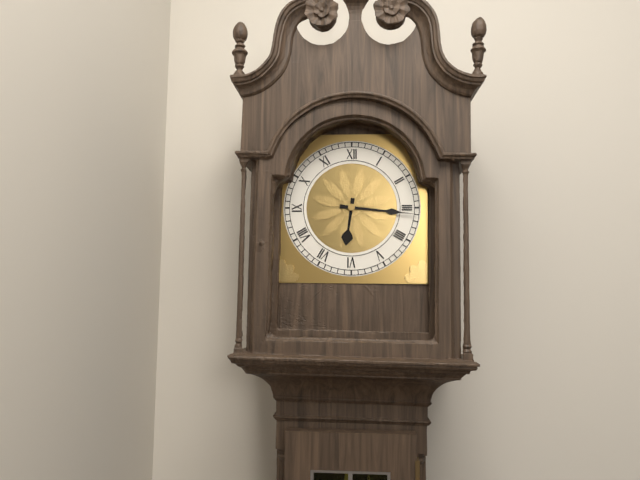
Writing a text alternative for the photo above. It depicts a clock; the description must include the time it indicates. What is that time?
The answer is 6:16
